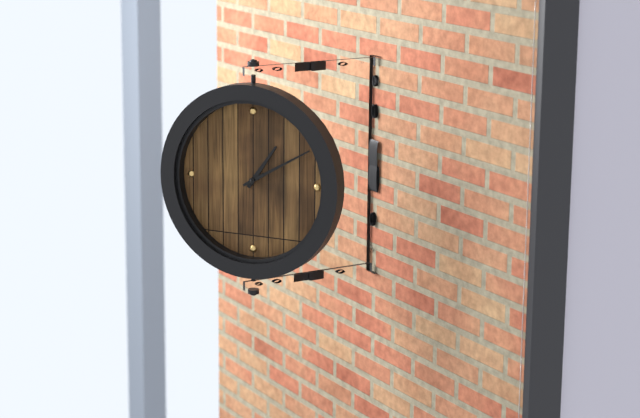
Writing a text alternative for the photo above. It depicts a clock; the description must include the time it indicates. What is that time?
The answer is 1:10
